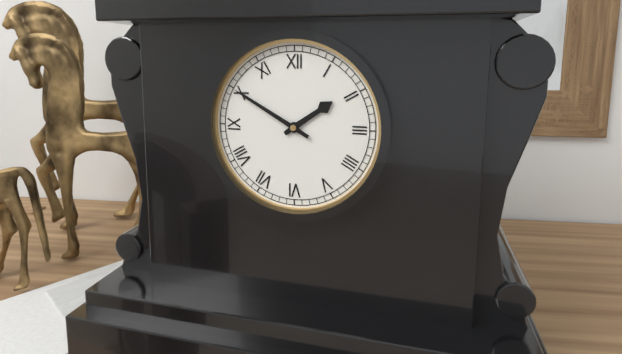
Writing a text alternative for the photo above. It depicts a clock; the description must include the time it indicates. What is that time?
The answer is 1:50
